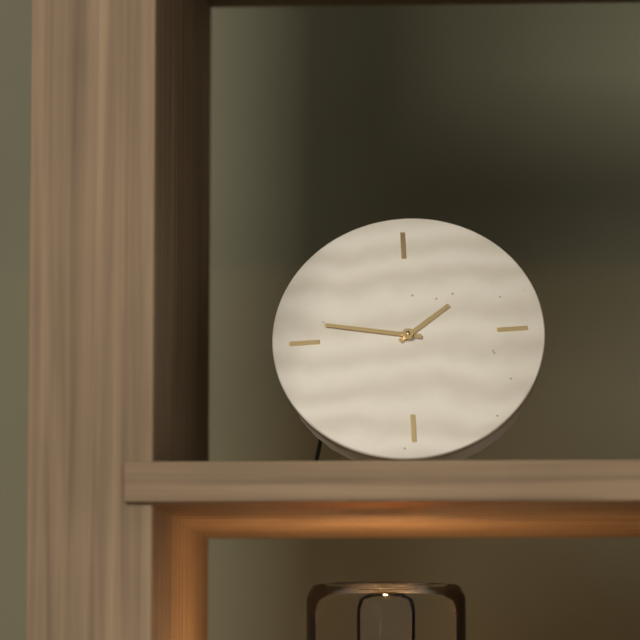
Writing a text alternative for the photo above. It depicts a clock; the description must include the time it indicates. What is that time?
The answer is 1:47
